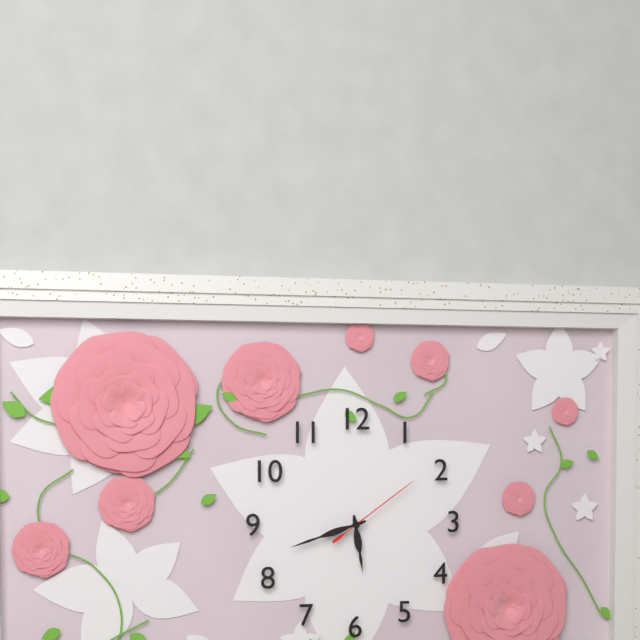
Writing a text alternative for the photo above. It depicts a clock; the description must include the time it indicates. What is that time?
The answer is 5:42:09
